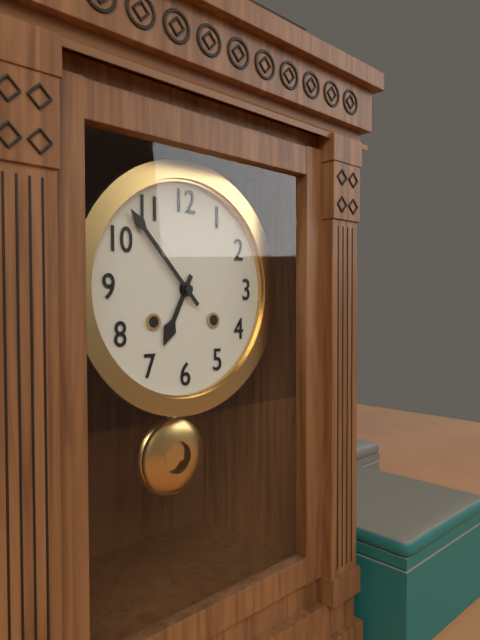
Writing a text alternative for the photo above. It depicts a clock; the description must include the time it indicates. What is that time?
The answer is 6:53
